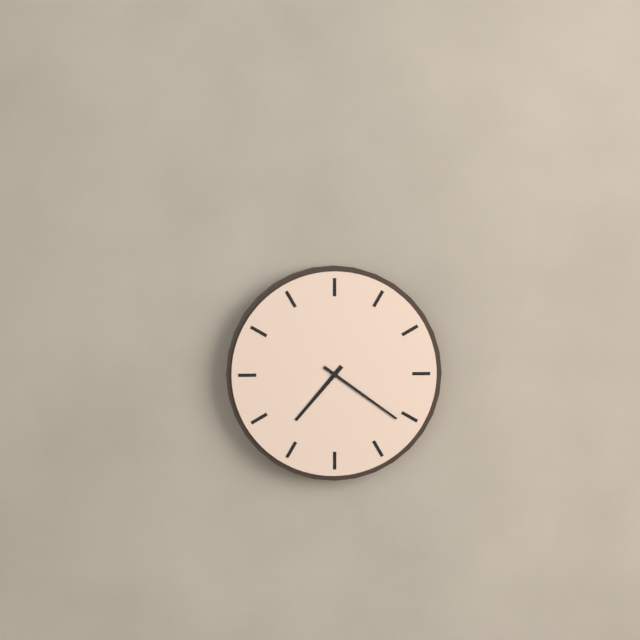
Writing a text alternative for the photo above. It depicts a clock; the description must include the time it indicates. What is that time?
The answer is 7:21
